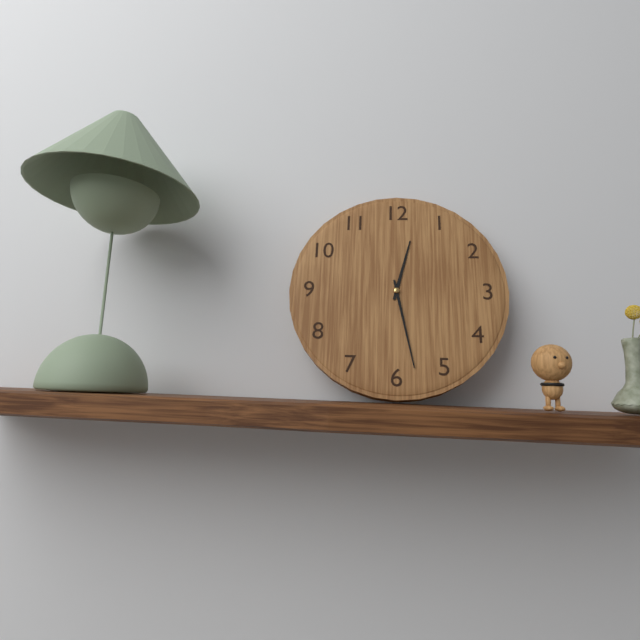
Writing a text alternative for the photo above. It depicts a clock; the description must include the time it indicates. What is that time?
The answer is 12:28
